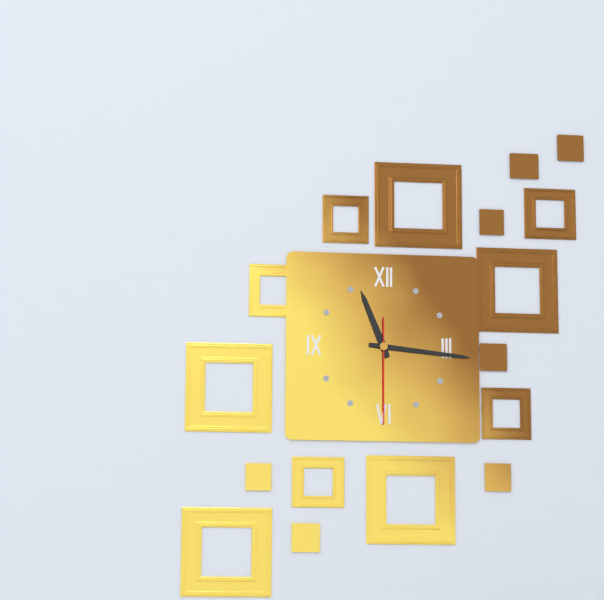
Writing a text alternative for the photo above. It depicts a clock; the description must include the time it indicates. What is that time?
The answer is 11:16:30
